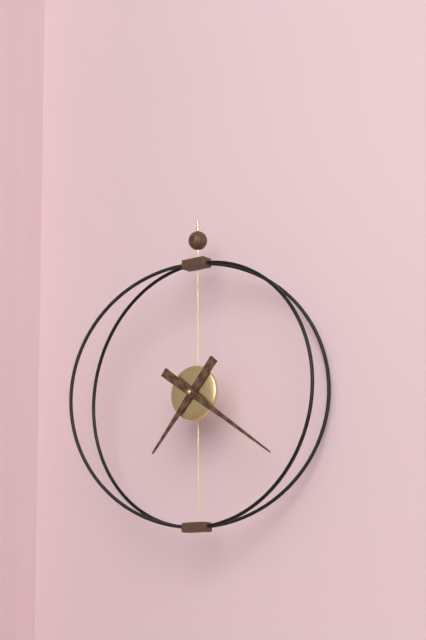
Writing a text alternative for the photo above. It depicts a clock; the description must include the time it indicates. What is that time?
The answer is 7:21
